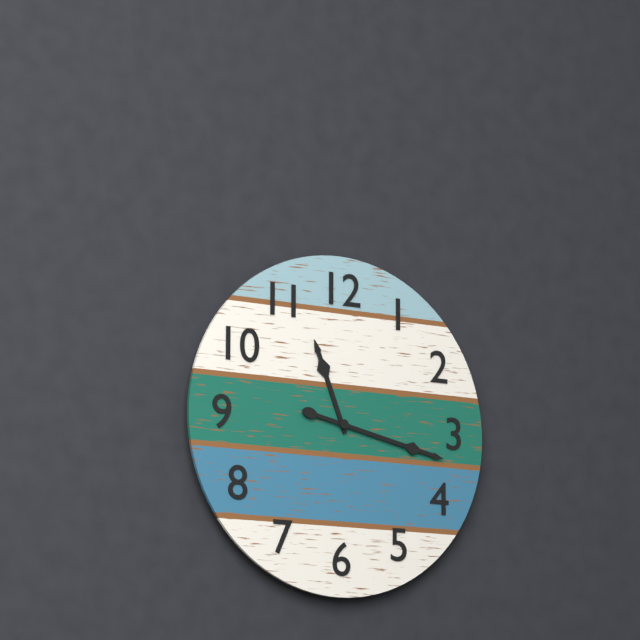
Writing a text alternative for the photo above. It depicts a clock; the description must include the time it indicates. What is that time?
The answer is 11:17
